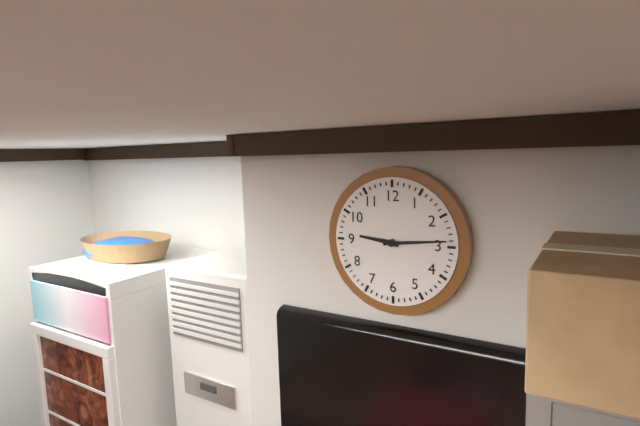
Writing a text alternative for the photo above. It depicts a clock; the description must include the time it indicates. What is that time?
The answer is 9:14
